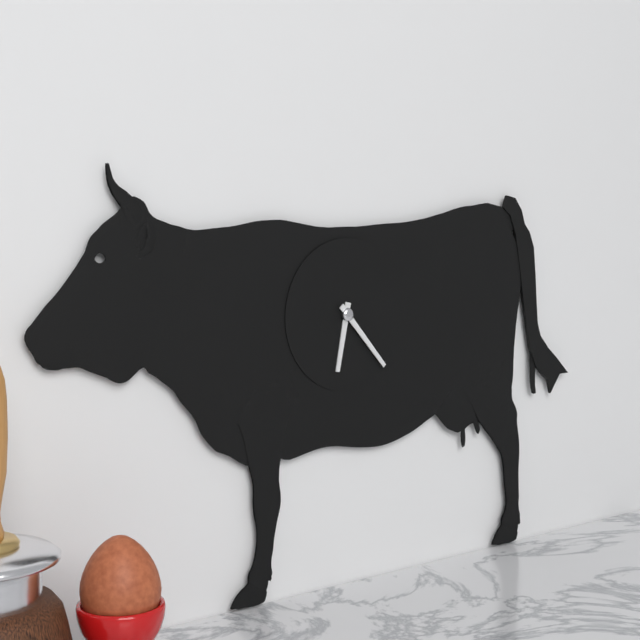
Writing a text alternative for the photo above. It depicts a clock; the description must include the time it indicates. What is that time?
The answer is 6:23
